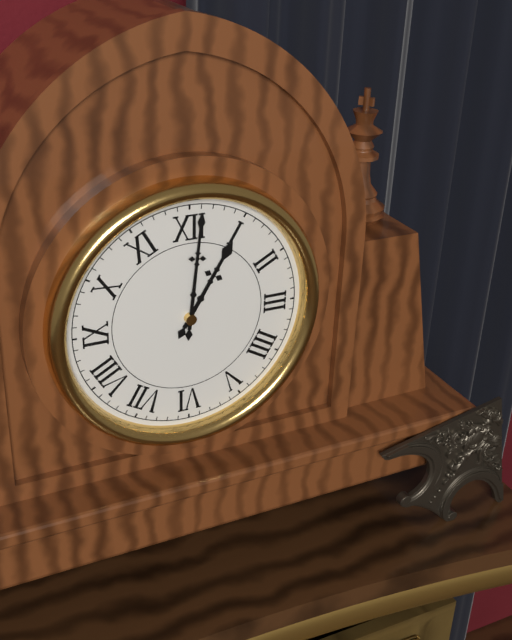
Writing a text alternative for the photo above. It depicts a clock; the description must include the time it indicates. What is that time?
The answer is 1:01
